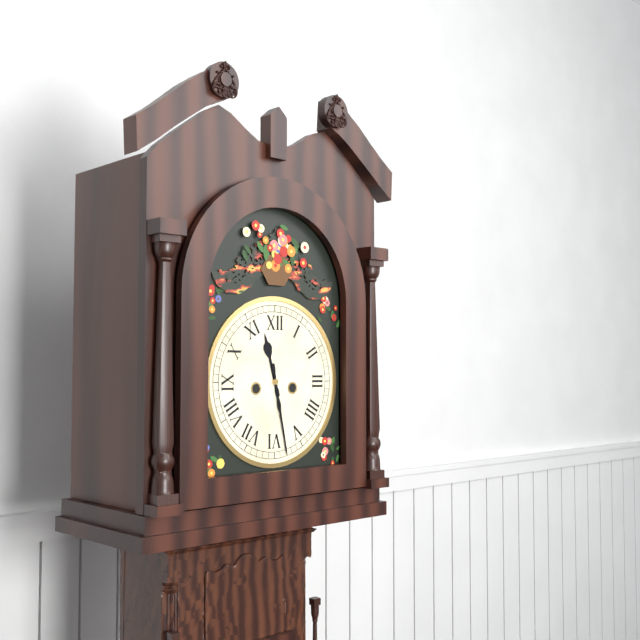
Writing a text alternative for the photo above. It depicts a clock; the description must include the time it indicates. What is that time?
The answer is 11:28
